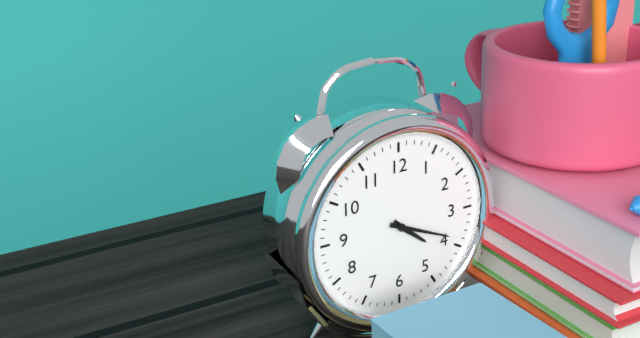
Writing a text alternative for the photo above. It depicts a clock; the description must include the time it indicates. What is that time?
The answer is 4:19
